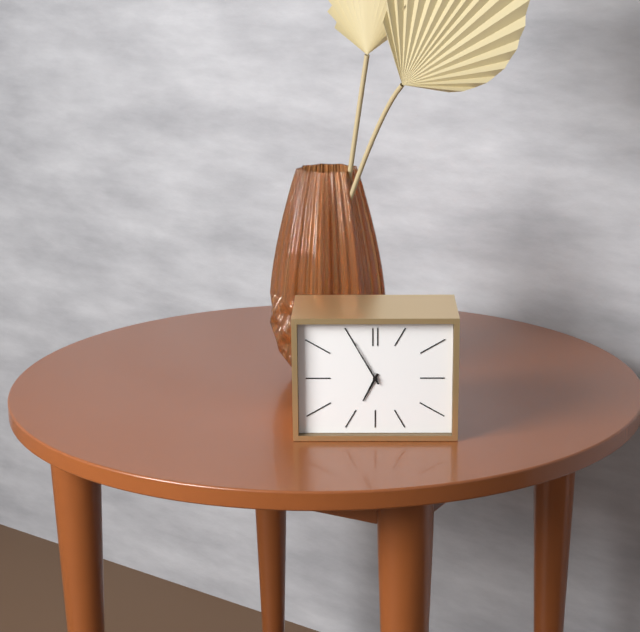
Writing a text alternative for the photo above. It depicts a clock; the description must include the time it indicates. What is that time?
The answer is 6:55
